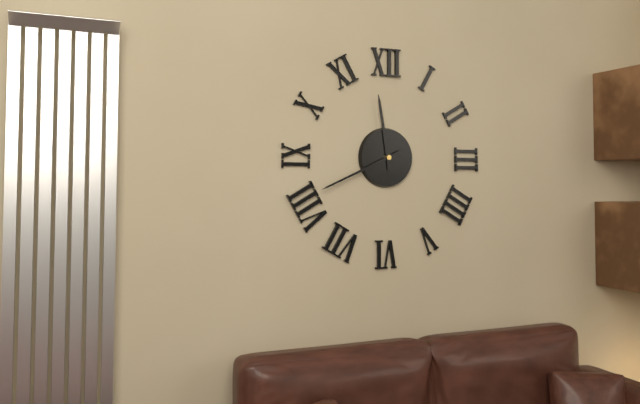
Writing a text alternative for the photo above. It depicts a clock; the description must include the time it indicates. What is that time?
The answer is 11:41
